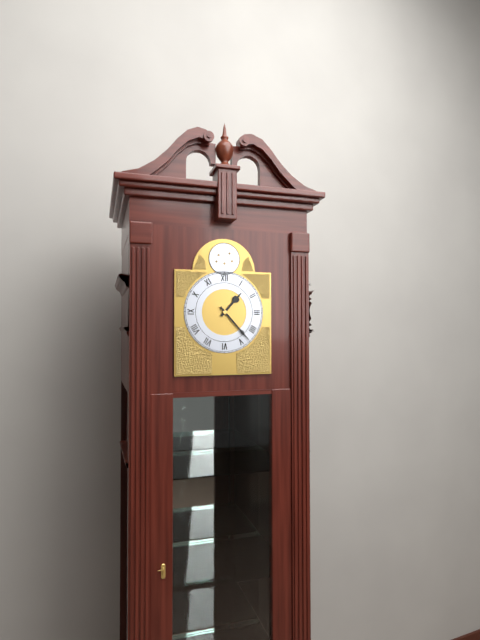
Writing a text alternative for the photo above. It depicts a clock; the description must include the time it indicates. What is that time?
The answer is 1:23
